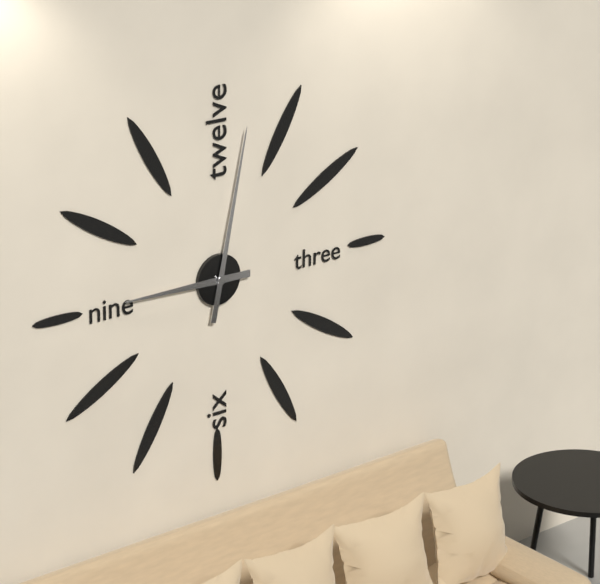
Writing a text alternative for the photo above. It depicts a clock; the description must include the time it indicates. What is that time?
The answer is 9:02
